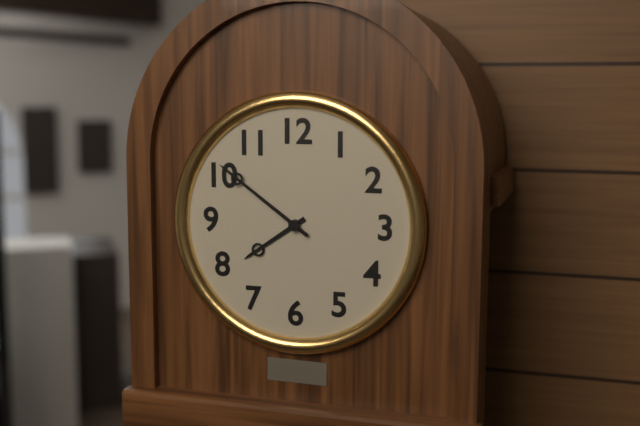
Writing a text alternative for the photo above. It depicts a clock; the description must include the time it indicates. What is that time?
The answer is 7:51
